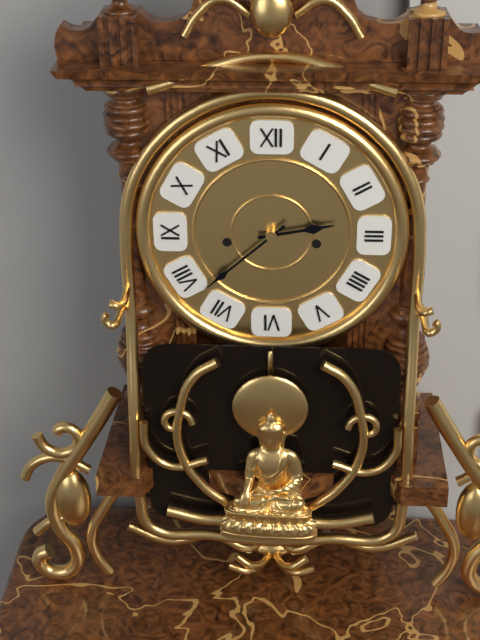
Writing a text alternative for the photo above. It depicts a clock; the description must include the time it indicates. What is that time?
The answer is 2:38
